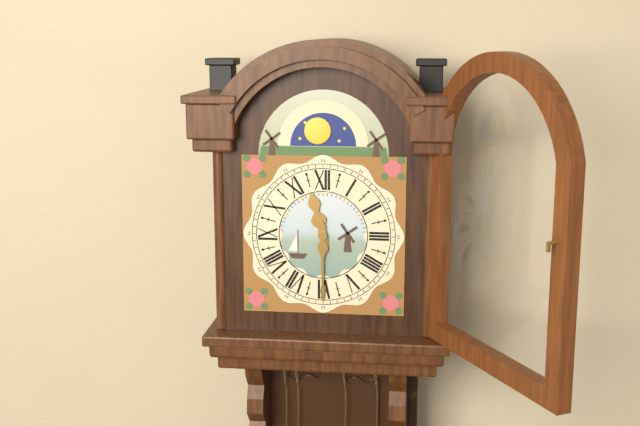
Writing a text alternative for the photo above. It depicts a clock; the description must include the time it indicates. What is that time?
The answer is 11:30
